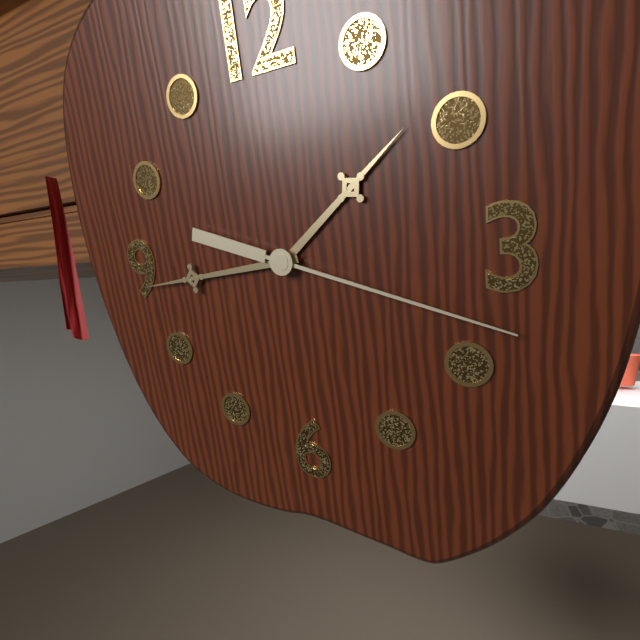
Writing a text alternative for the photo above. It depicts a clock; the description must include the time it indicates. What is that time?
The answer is 1:44:18
